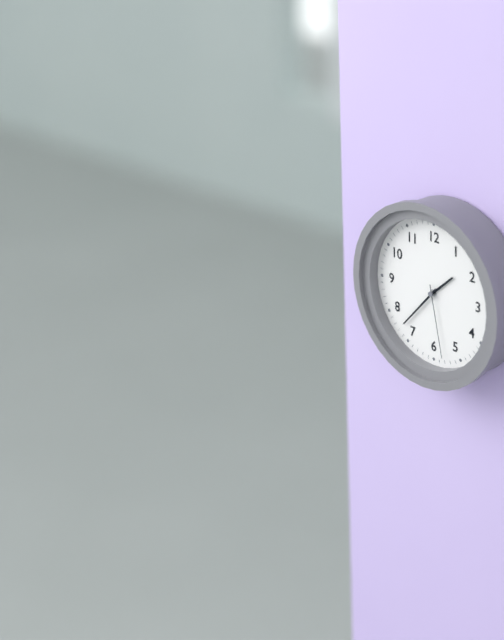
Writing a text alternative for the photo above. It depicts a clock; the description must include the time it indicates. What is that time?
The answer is 1:37:28
